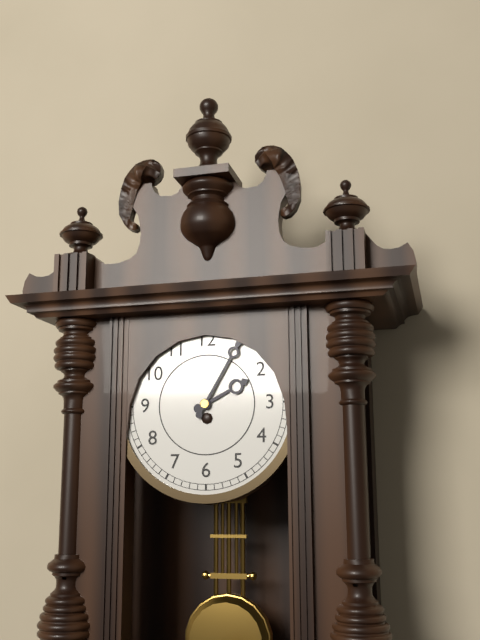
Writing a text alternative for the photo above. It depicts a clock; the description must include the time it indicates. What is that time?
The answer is 2:05
